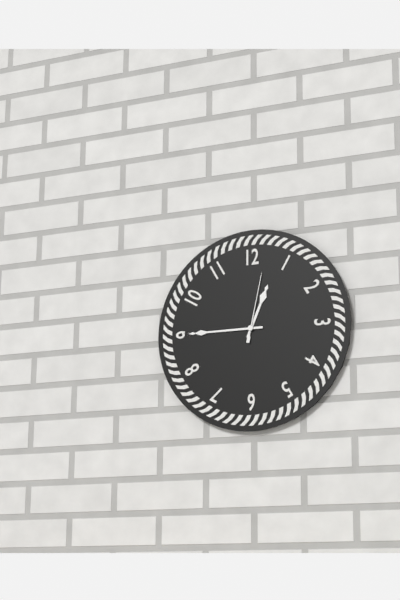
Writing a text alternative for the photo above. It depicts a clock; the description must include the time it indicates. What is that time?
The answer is 12:45:02
